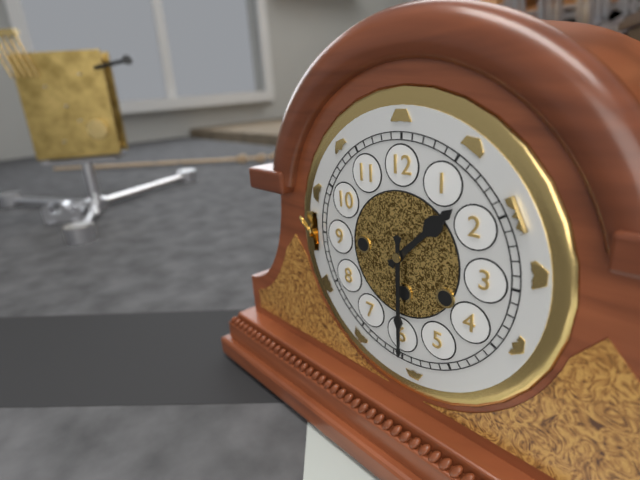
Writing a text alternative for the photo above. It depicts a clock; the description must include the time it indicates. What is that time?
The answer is 1:30
